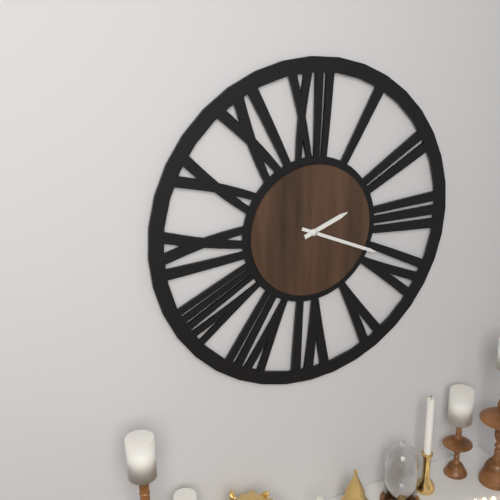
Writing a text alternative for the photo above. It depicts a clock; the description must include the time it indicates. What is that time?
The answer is 2:19
